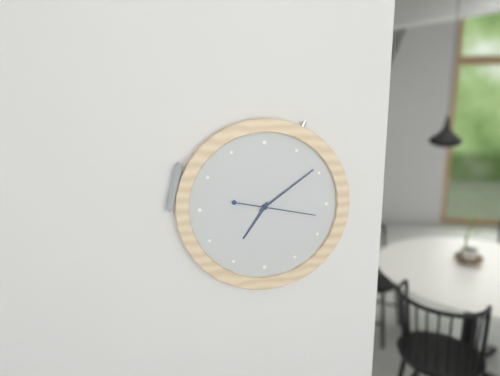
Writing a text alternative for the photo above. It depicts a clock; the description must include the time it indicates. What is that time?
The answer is 7:09:17
